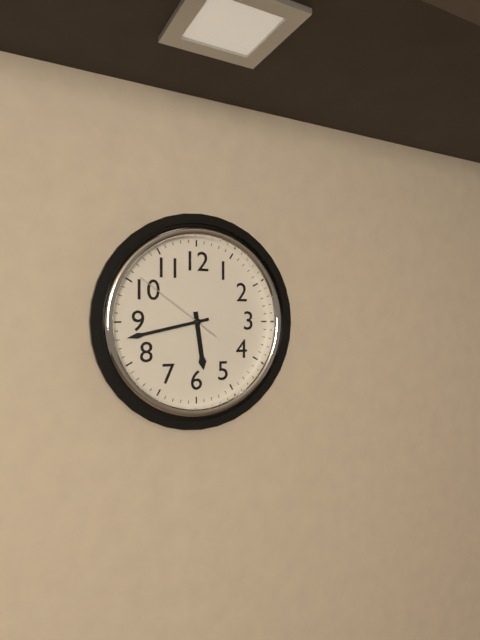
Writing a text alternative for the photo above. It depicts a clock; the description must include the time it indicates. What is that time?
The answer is 5:43:51
